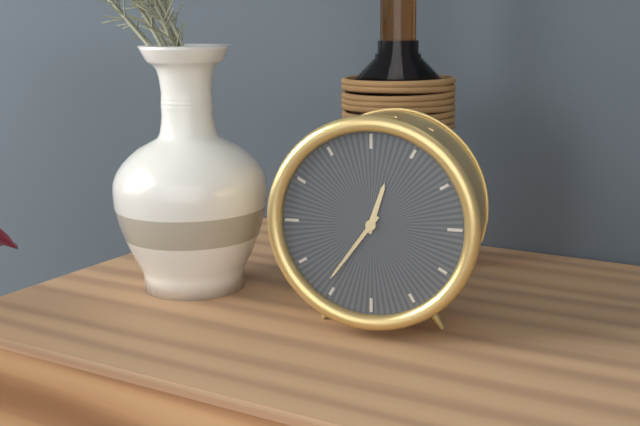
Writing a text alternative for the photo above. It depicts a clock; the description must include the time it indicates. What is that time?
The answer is 12:36
